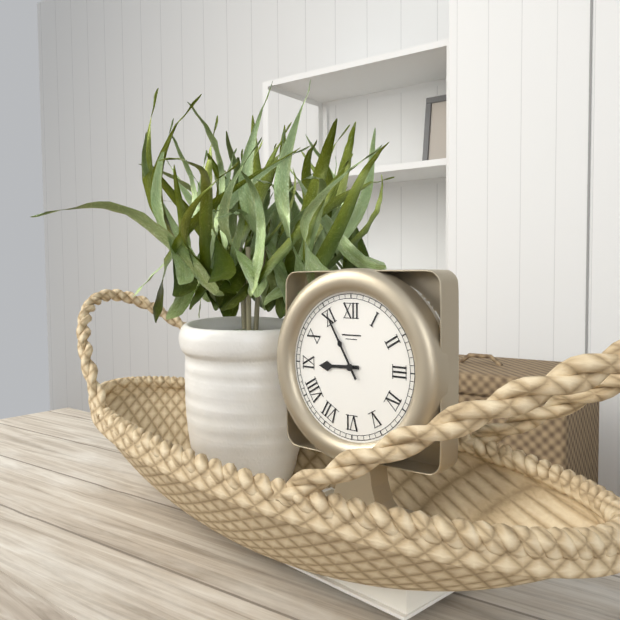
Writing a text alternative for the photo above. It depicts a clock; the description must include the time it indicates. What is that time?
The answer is 8:55
